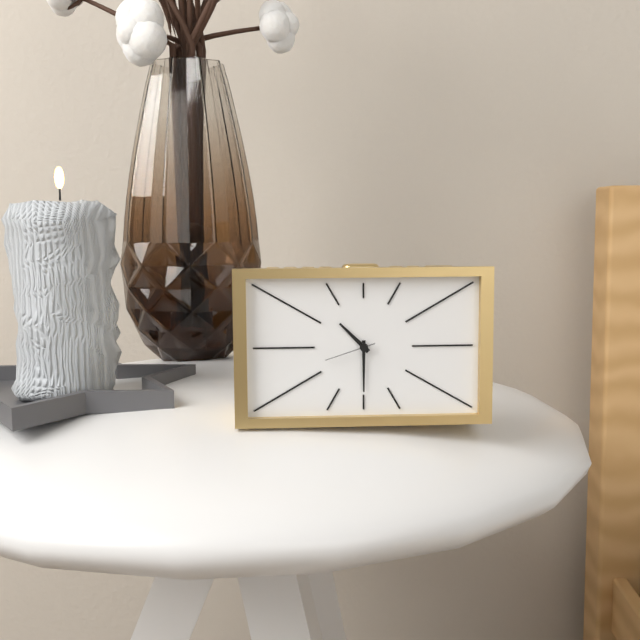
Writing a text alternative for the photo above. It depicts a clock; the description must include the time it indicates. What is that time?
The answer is 10:30:42
